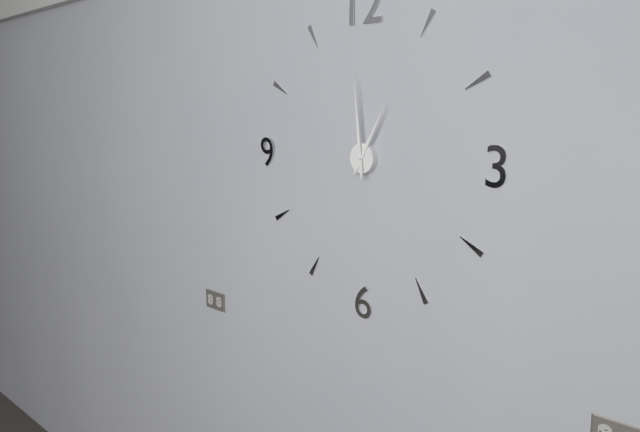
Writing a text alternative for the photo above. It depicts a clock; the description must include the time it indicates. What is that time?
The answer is 12:59
